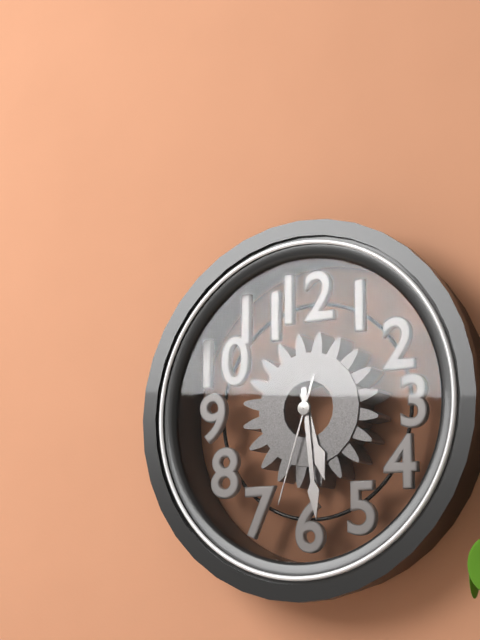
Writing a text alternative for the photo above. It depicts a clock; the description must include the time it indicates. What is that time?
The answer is 5:29:33
